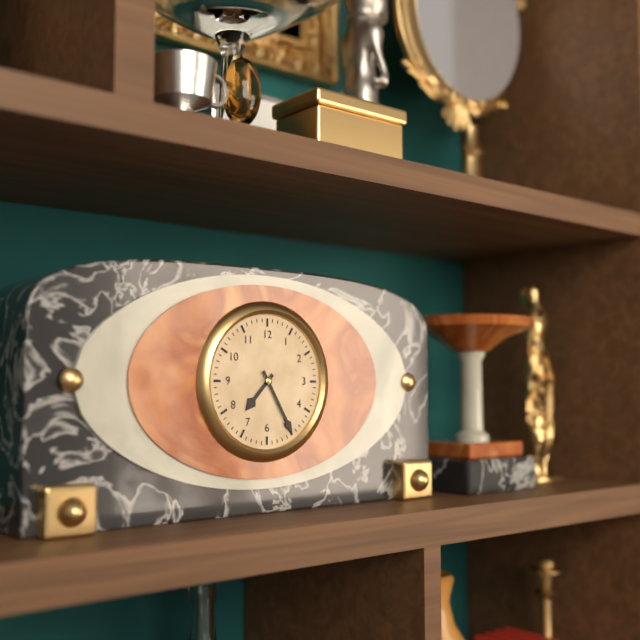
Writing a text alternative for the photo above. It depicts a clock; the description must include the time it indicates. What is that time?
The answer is 7:25
